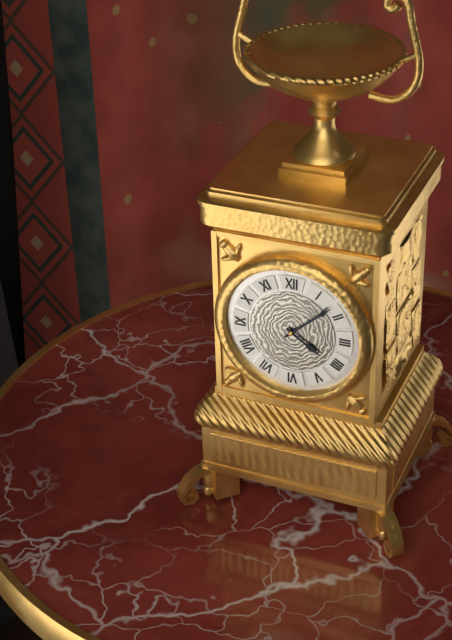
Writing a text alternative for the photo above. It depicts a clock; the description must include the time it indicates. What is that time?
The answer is 4:08
